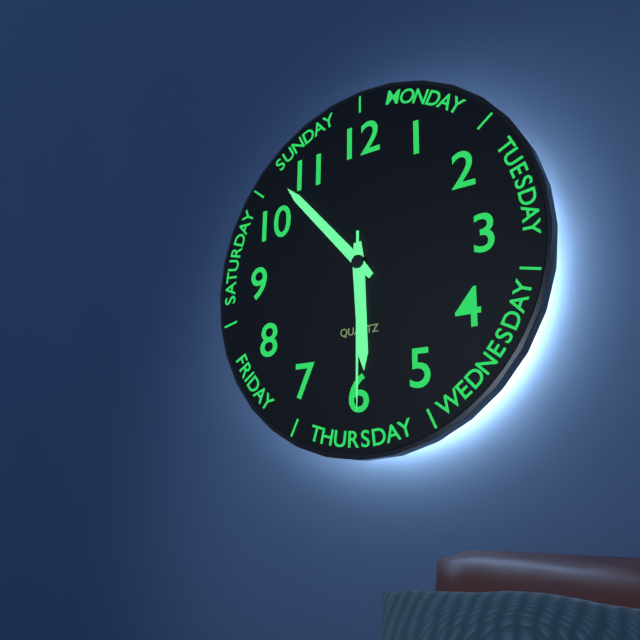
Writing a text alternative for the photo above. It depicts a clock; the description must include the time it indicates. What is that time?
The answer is 5:53:30
